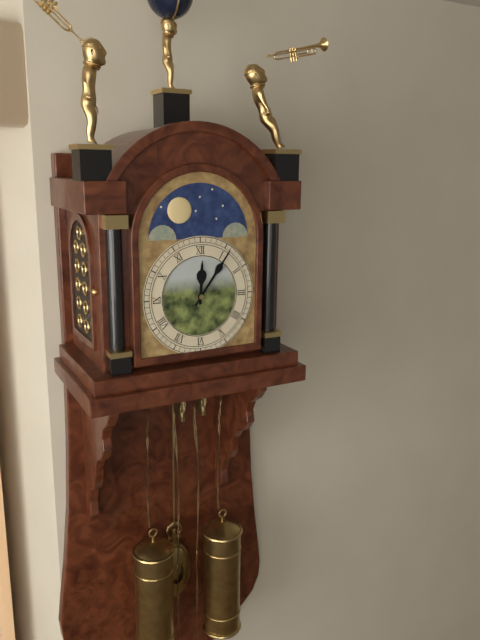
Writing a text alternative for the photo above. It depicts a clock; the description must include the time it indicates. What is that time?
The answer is 12:06
